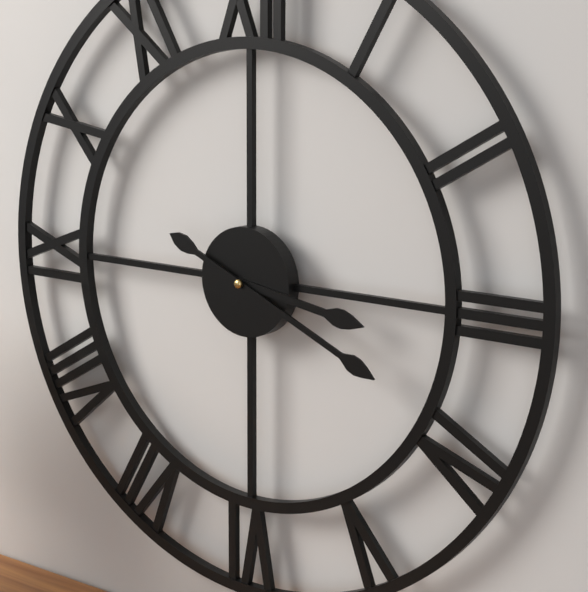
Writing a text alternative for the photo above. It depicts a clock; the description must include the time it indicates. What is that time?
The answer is 3:19
